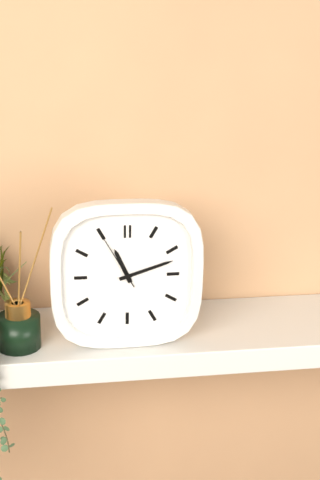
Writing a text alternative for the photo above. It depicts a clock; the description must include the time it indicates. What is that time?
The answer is 11:12:55
